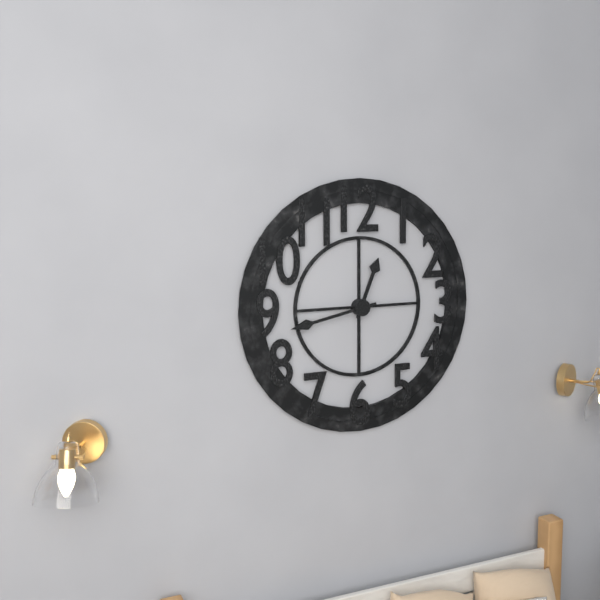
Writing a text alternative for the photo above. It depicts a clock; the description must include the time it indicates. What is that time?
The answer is 12:43
